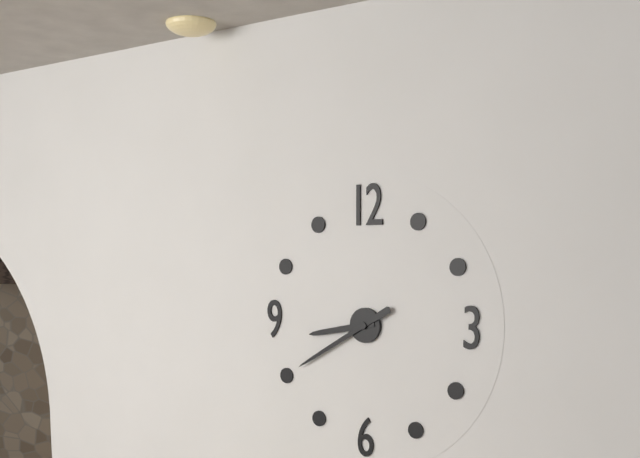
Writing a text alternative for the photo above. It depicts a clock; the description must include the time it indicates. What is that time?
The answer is 8:40
